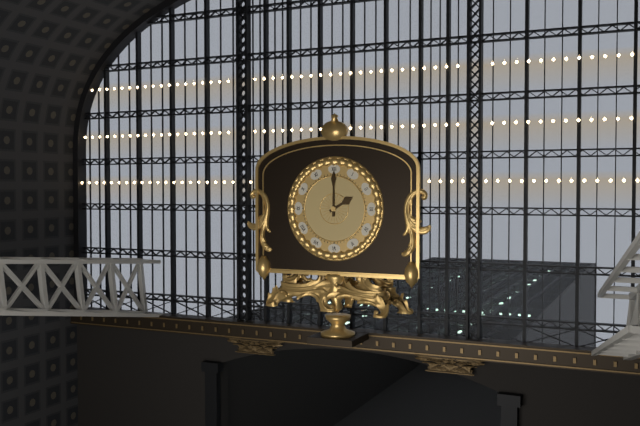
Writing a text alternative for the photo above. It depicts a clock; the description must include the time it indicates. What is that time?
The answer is 2:00
